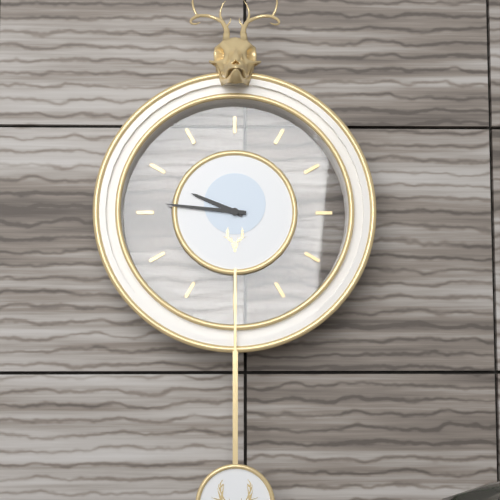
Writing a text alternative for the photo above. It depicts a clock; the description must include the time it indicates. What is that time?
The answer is 9:46
